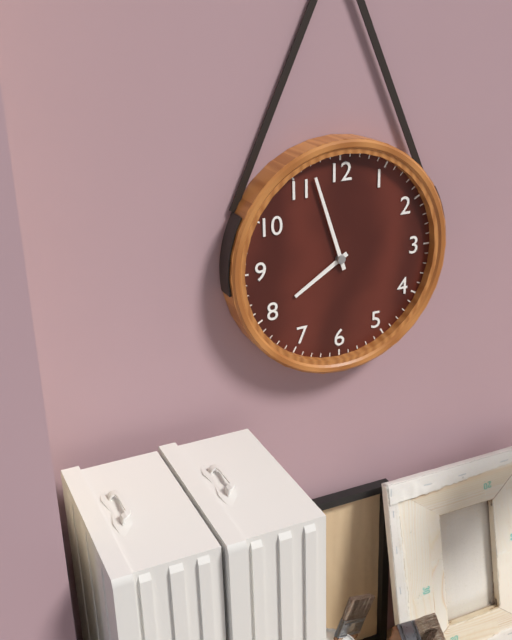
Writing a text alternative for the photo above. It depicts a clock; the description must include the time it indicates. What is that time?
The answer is 7:57
